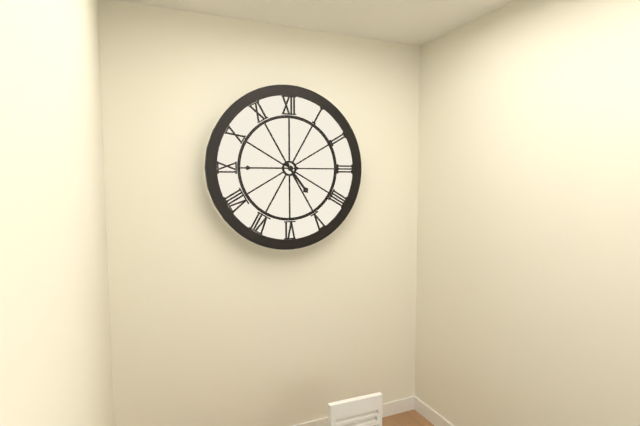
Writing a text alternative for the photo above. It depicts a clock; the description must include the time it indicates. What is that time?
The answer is 4:45
